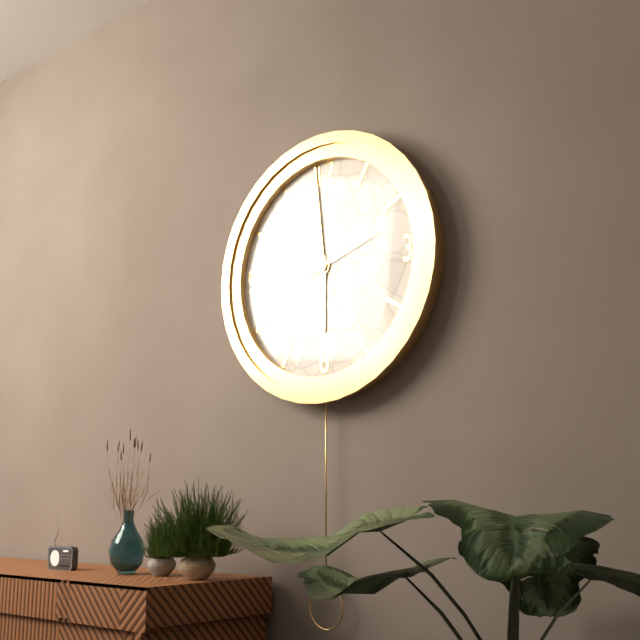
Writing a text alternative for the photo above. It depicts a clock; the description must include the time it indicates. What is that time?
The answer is 5:59:12
